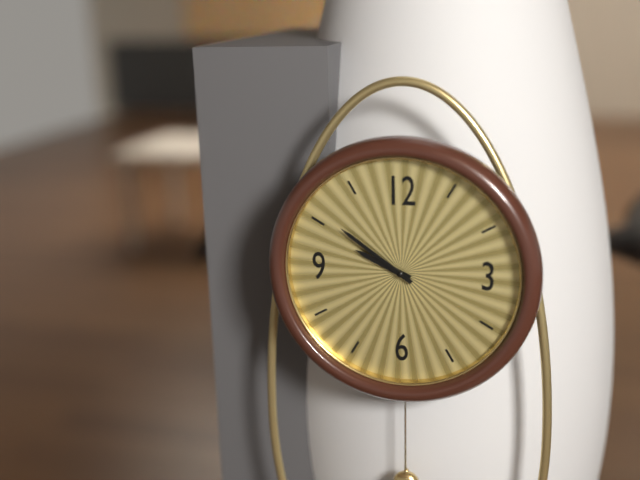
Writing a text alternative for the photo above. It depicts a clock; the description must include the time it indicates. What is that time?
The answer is 9:51
